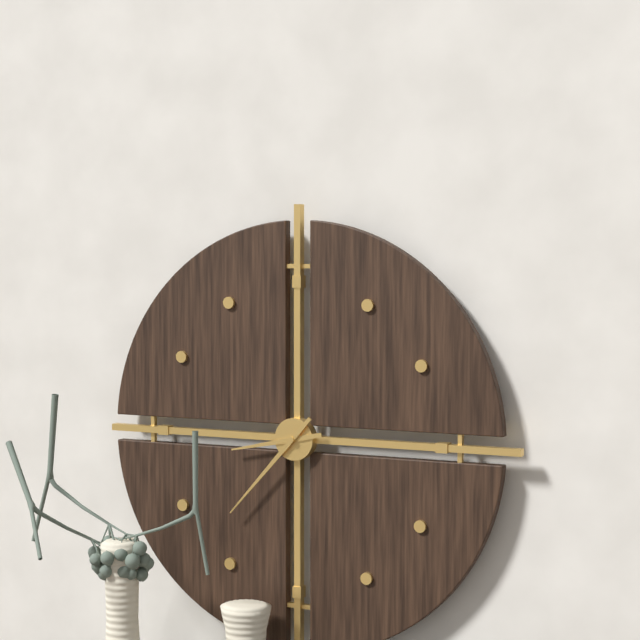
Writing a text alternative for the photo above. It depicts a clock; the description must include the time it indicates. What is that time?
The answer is 8:37
